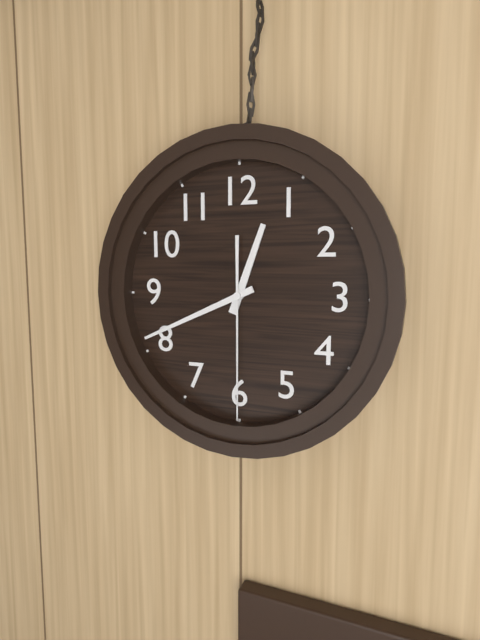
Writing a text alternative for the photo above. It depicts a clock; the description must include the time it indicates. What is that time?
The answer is 12:41:30
